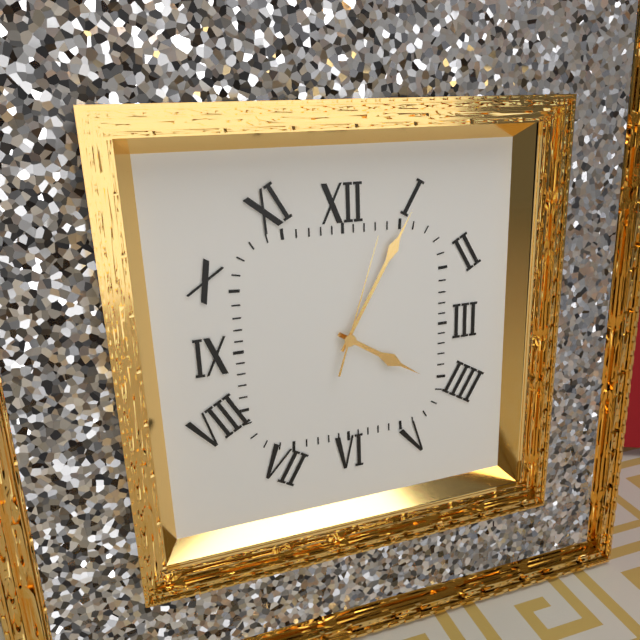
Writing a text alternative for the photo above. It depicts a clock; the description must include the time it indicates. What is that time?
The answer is 4:05:03
